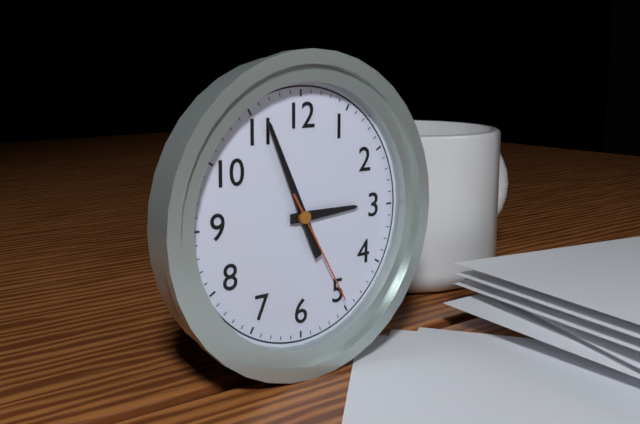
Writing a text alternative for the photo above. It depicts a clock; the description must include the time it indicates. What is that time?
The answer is 2:56:25
